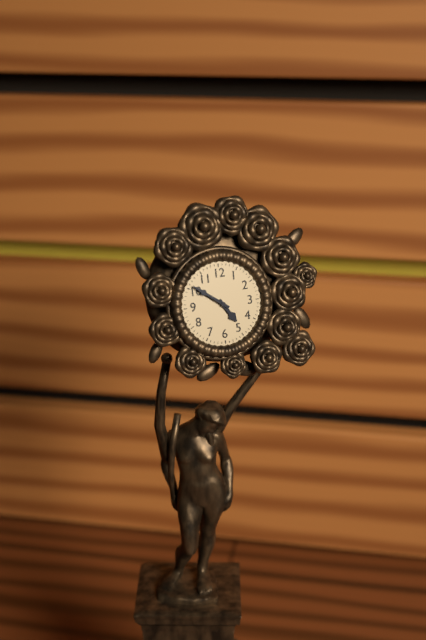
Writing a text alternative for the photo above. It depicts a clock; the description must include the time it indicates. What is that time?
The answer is 4:51
